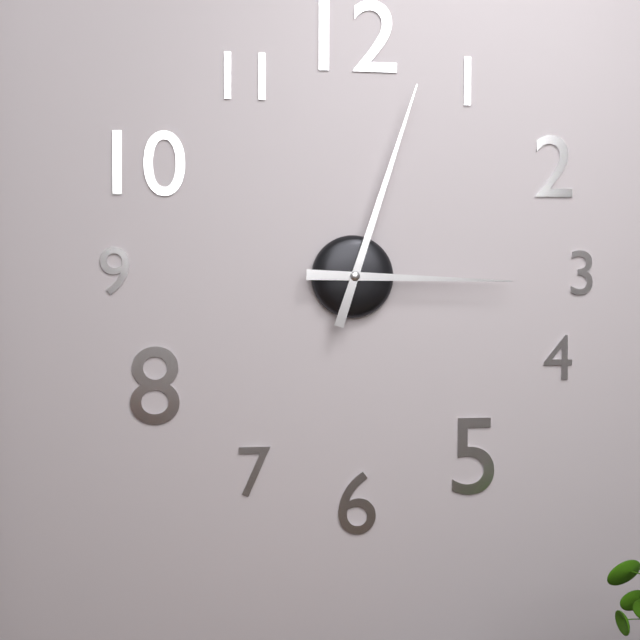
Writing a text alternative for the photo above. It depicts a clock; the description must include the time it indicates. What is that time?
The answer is 3:03
